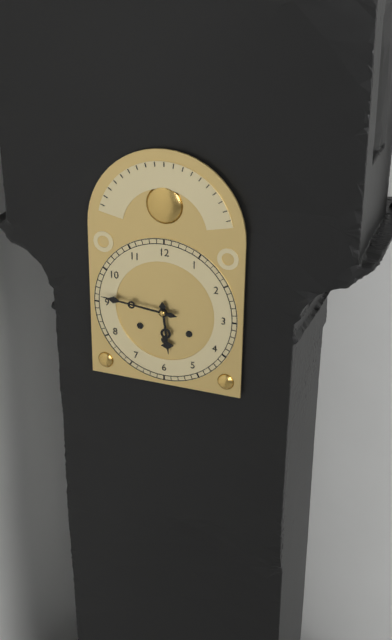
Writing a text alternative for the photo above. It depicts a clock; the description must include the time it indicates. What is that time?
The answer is 5:46
